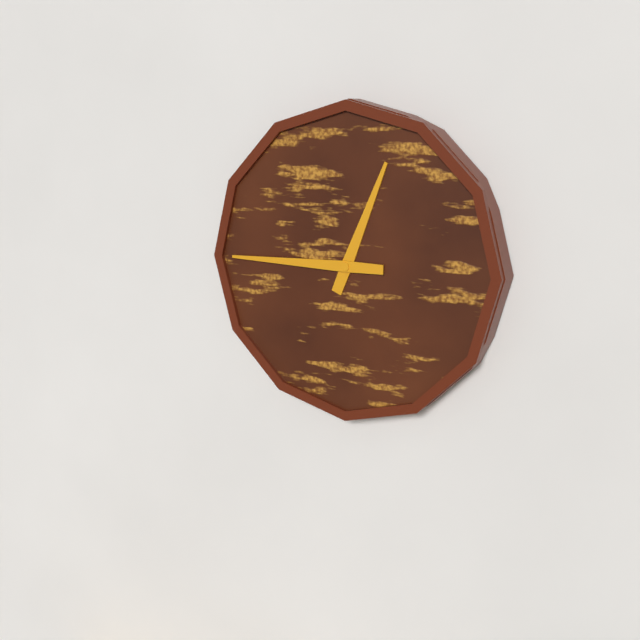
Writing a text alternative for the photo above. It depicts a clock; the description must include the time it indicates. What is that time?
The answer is 12:45
